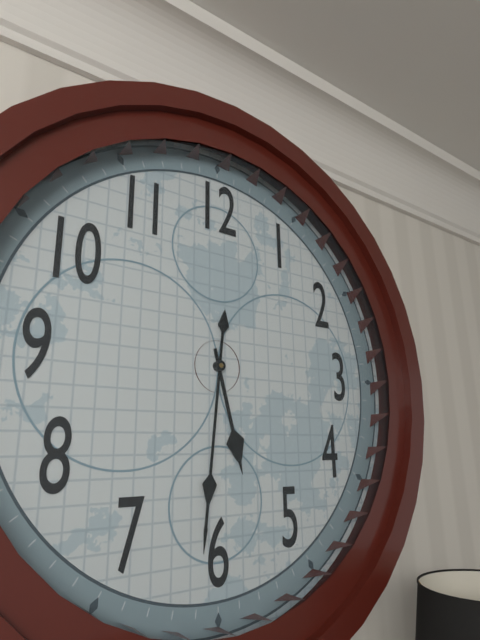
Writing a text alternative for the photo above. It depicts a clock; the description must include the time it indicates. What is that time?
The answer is 5:31
